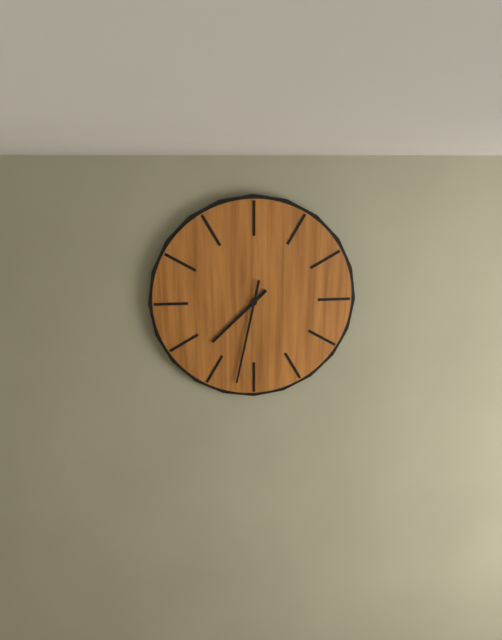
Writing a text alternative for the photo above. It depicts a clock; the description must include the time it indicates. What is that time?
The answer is 7:32
